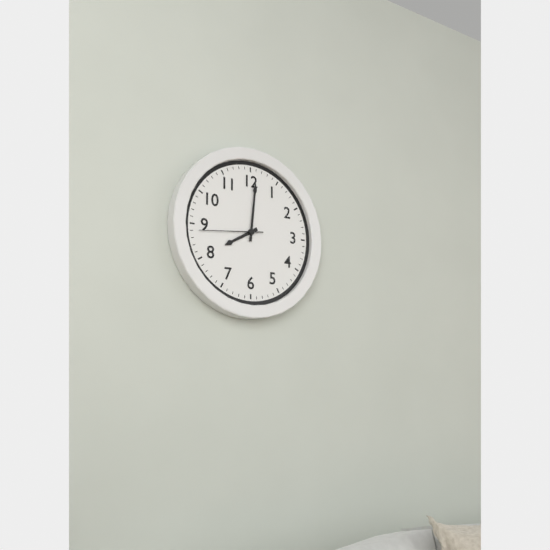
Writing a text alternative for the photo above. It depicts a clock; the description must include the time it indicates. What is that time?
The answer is 8:01:44
